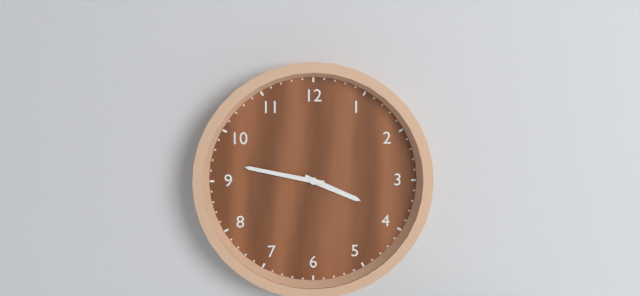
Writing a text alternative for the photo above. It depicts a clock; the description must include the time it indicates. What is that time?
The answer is 3:47
